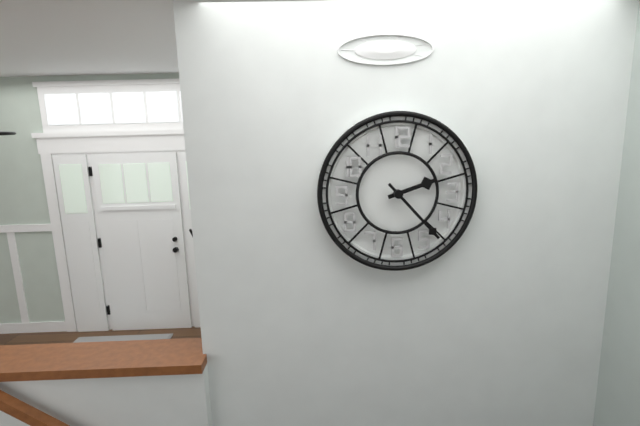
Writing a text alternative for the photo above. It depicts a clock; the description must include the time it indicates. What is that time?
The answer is 2:23
